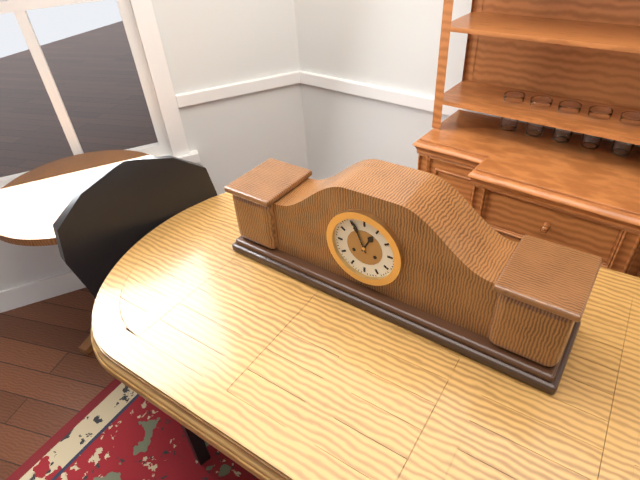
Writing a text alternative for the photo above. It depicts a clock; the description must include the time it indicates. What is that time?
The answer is 12:56
